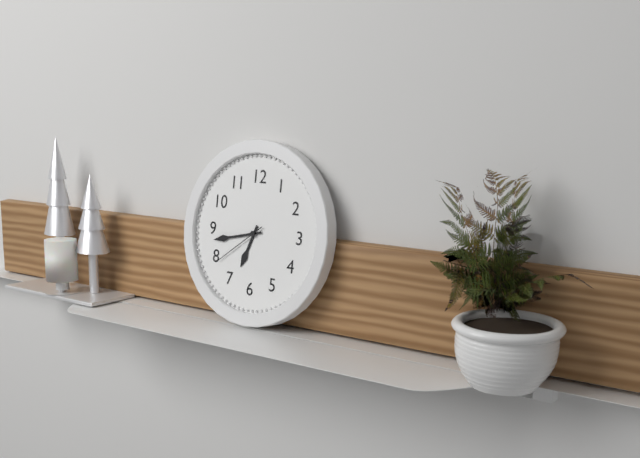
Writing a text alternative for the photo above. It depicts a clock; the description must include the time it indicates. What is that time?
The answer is 6:43:39
